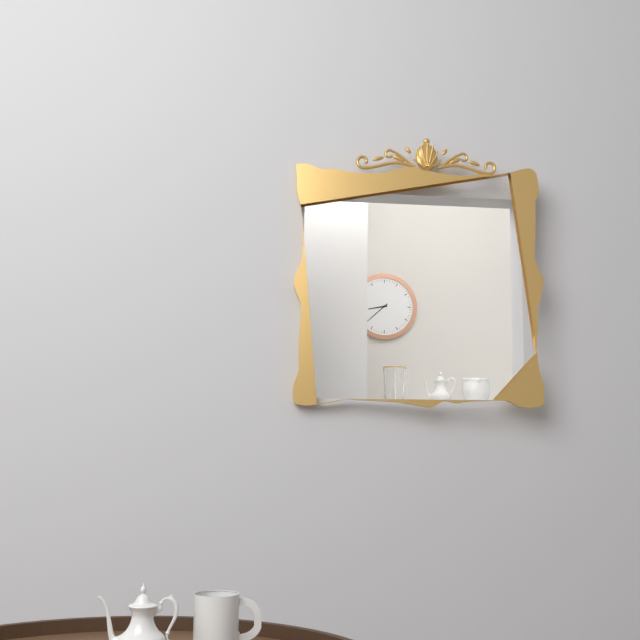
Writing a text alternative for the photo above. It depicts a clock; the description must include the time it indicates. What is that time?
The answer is 8:38
